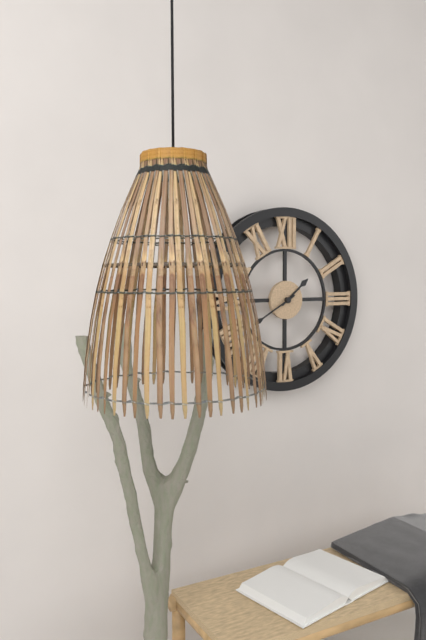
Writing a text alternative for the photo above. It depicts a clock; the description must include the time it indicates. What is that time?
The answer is 1:40
